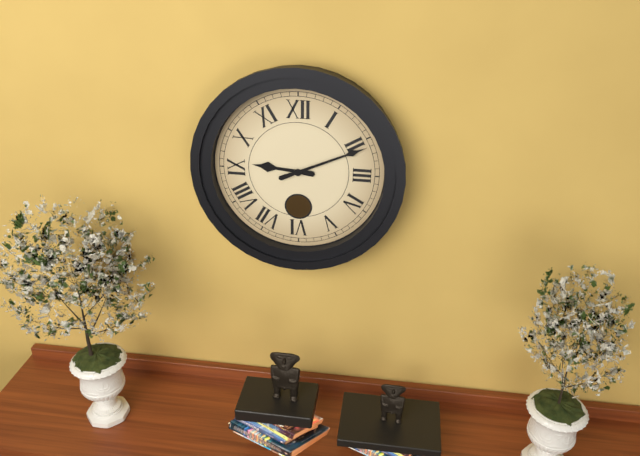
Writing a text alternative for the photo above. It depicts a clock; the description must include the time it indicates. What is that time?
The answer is 9:11
